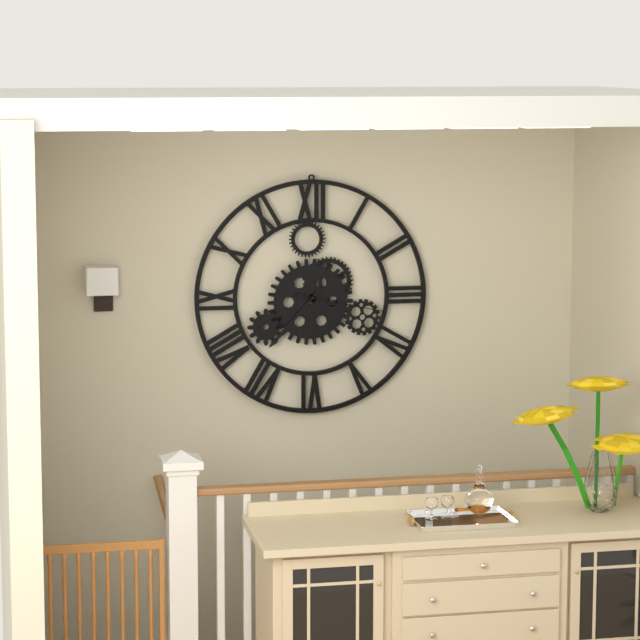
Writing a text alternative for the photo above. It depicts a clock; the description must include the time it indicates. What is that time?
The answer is 4:37:17
